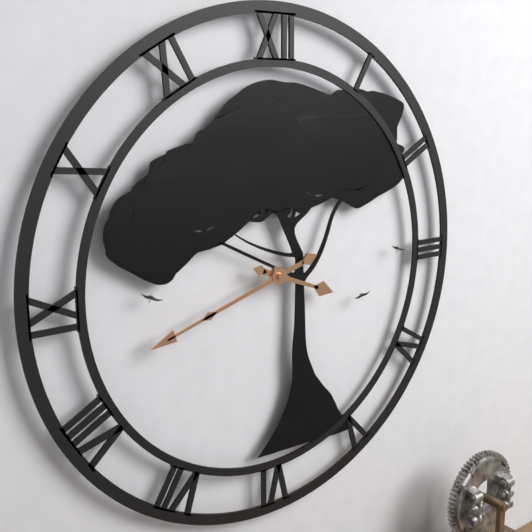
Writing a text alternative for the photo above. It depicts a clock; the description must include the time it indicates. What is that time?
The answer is 3:42
